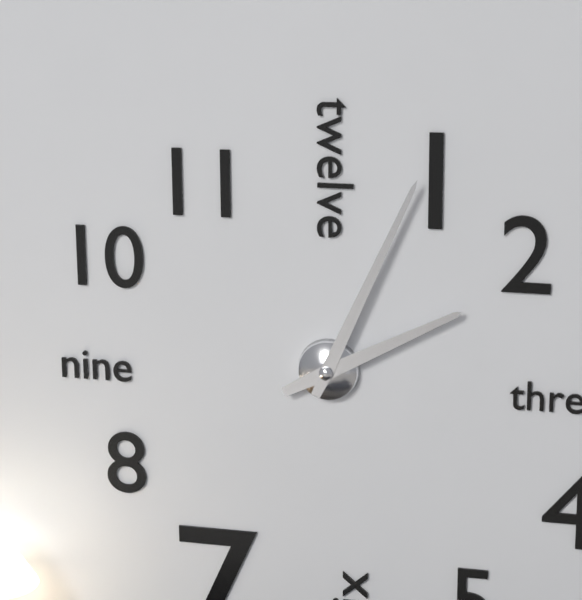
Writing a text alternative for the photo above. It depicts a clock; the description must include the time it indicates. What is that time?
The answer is 2:04
